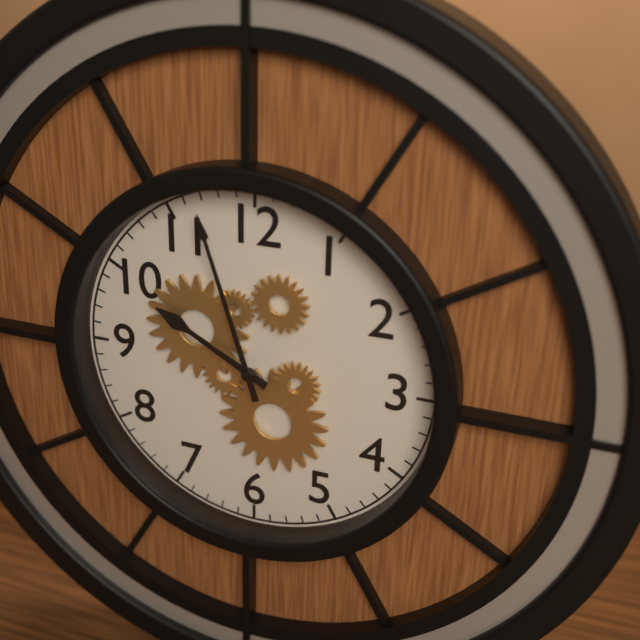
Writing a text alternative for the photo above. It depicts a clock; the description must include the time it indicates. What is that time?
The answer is 9:57
